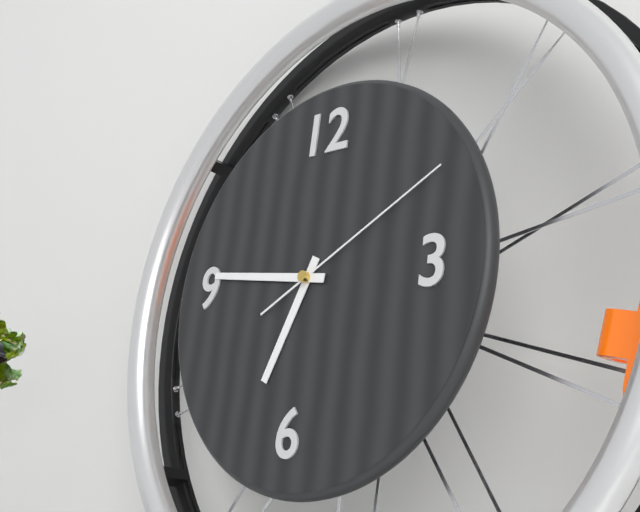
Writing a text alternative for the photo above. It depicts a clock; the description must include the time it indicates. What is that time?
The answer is 6:46:10
